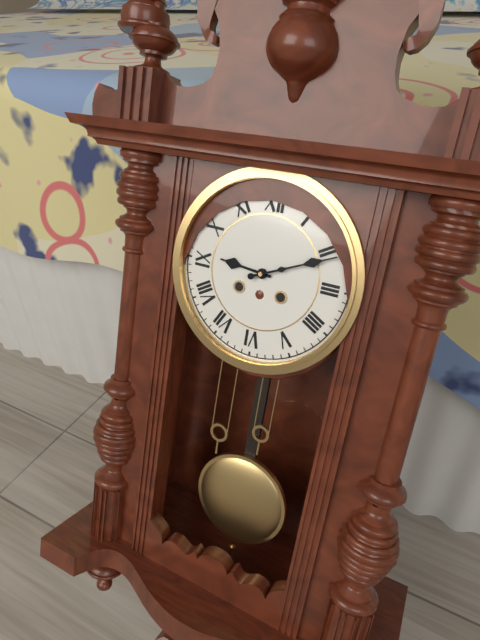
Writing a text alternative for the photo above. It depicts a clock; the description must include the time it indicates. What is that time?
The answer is 9:11
